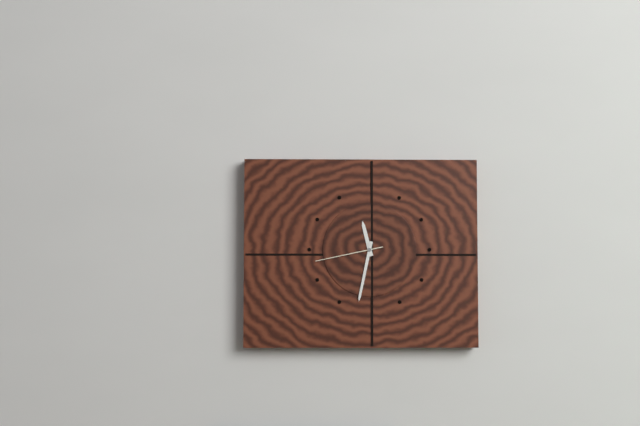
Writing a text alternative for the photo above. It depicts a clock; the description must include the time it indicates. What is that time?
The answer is 11:32:43
